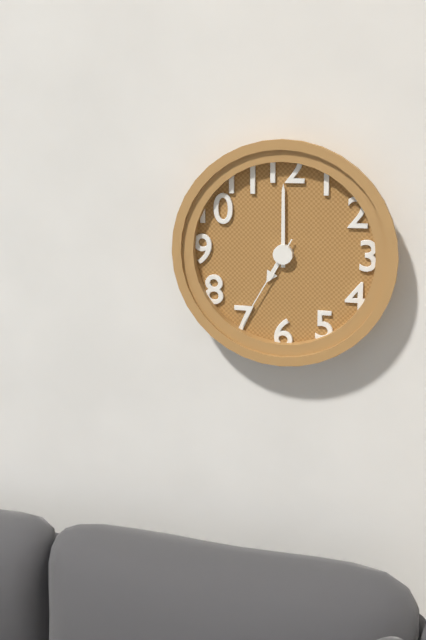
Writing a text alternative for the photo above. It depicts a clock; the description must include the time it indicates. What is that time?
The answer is 7:00:35
